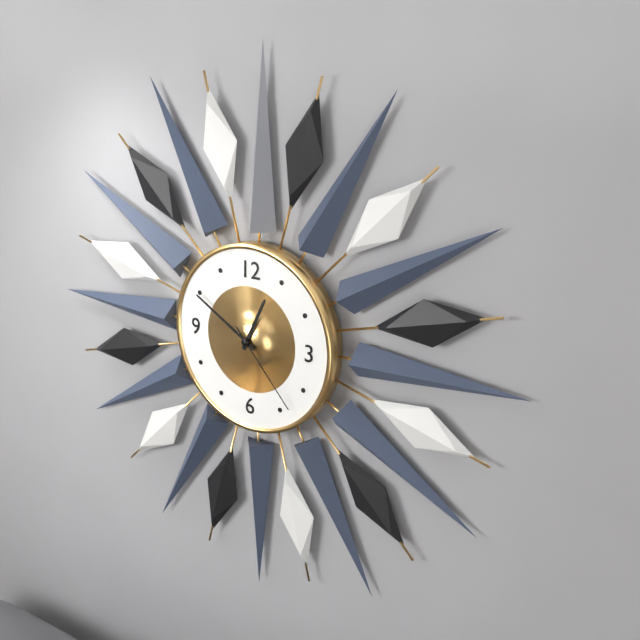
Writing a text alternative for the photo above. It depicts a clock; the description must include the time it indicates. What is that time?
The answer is 12:50:23
